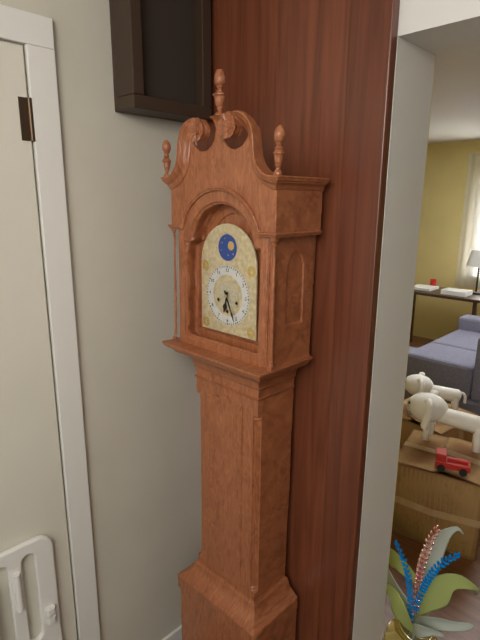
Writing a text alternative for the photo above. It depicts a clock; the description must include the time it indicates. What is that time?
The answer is 6:26
